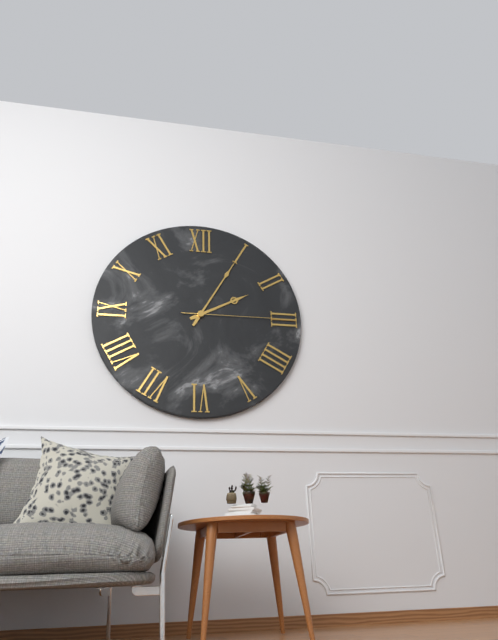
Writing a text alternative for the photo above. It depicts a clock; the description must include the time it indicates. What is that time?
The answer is 2:05:15
